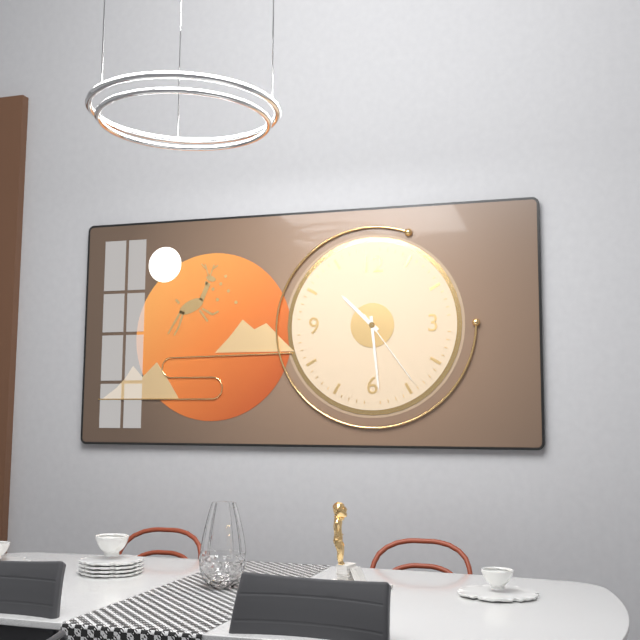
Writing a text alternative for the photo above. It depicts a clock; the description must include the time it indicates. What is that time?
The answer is 10:29:24
